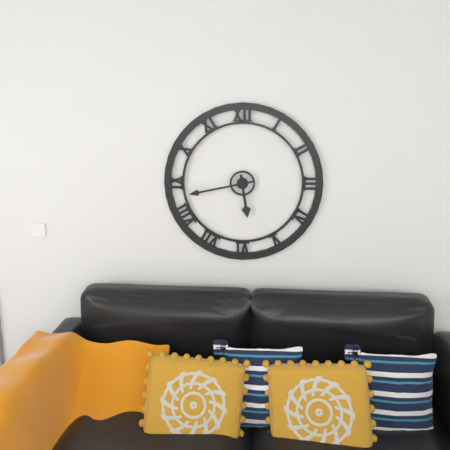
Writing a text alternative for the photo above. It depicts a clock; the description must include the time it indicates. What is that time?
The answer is 5:43
